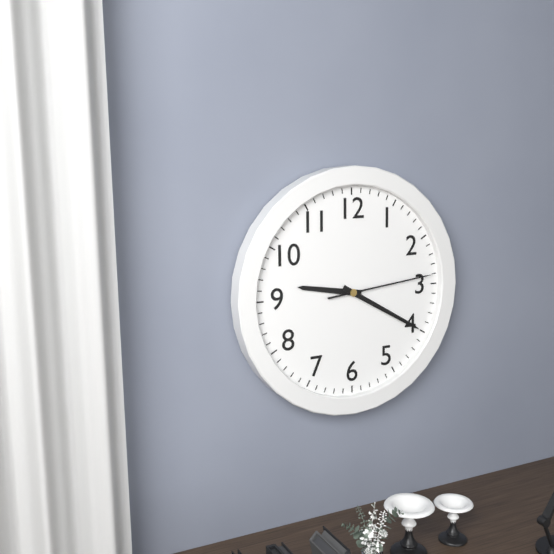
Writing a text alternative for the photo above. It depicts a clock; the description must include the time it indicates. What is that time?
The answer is 9:20:14
